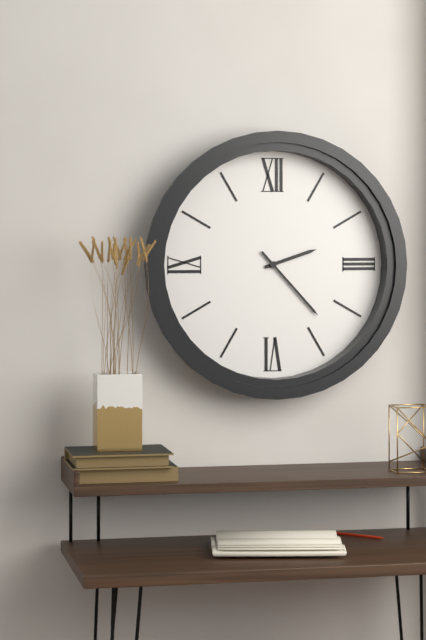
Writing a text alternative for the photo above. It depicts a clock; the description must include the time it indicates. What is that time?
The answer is 2:23
